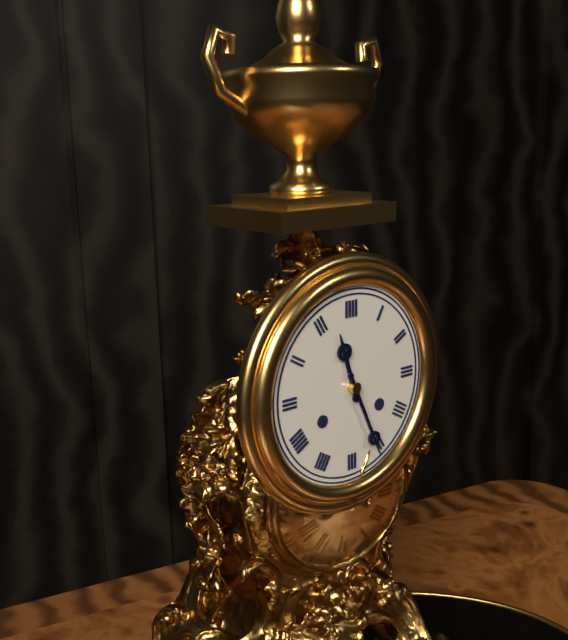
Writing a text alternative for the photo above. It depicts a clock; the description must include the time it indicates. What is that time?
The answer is 11:26
